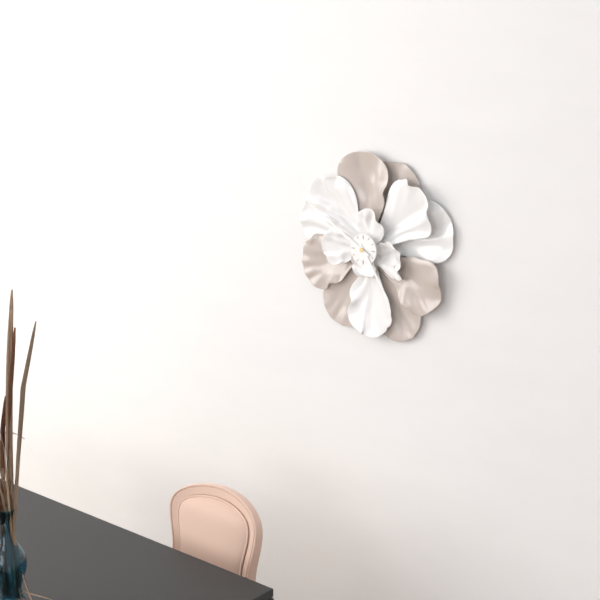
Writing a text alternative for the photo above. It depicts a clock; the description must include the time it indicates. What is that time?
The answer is 4:50
